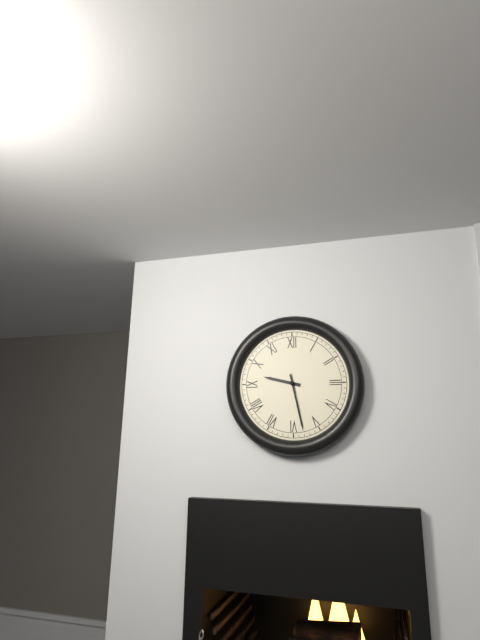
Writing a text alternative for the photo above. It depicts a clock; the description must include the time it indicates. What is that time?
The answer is 9:28
